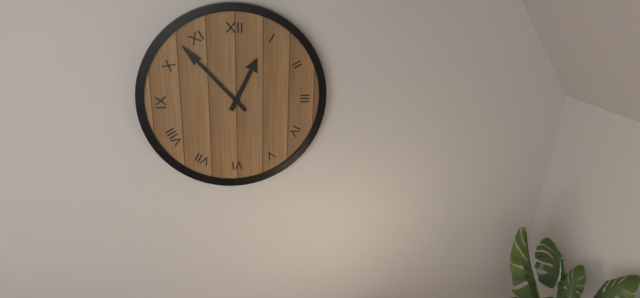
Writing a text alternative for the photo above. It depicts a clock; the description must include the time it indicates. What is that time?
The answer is 12:53
